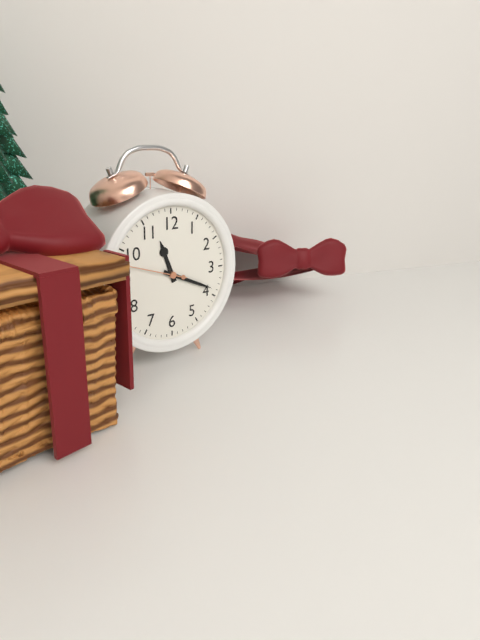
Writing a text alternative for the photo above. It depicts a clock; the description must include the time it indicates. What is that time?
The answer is 11:19:48
